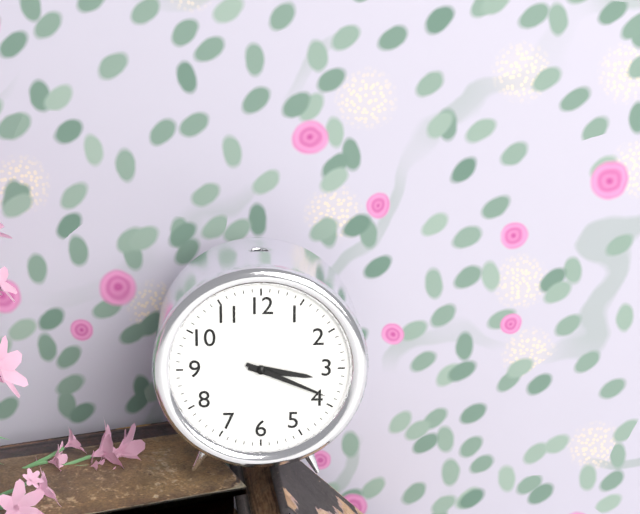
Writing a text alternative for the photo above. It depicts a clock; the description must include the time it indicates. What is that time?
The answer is 3:19
